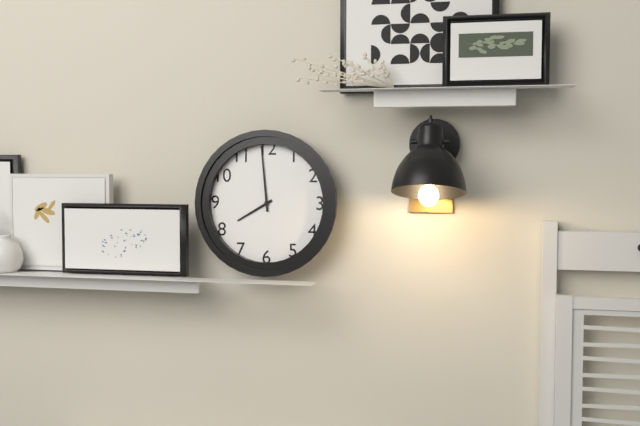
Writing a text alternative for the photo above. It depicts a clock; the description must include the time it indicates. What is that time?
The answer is 7:59
